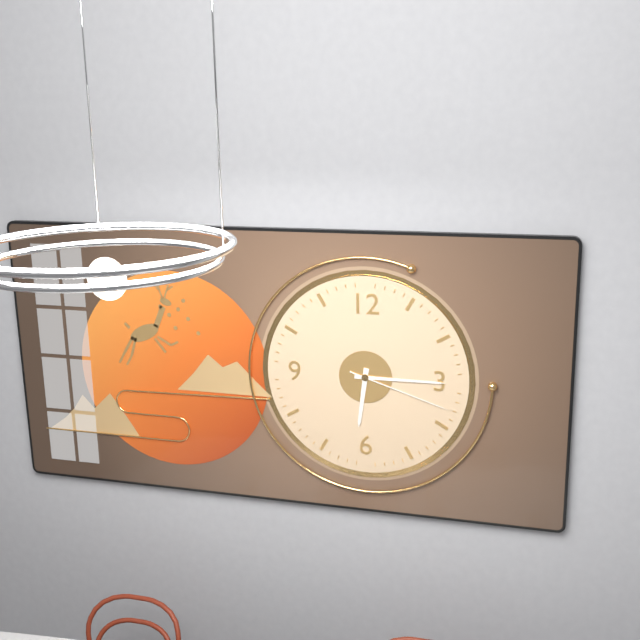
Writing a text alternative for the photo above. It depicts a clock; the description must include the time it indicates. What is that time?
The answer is 6:15:18
